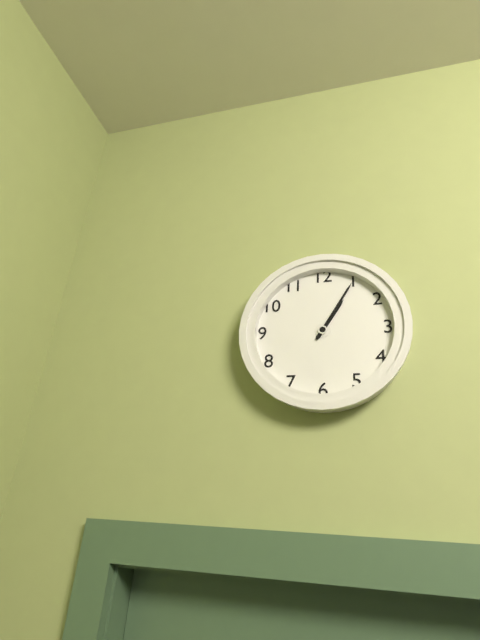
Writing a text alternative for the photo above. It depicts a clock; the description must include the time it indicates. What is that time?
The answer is 1:05
